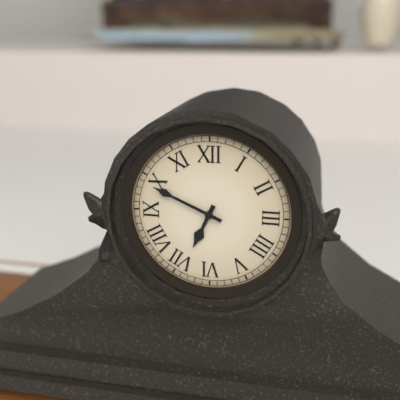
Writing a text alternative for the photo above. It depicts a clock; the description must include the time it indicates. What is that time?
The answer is 6:49
